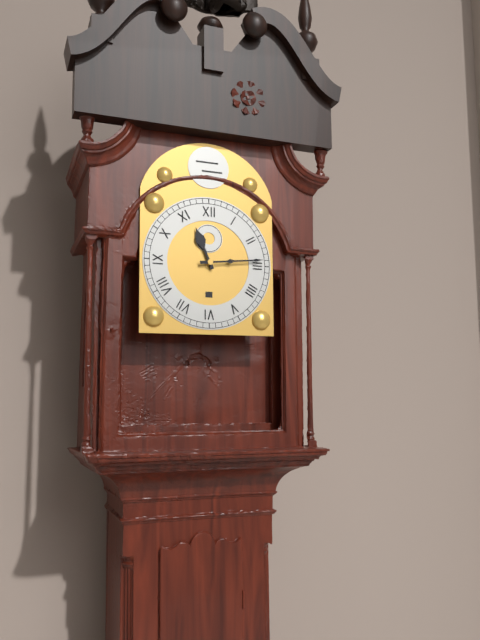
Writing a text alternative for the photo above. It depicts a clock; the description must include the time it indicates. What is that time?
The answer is 11:14
